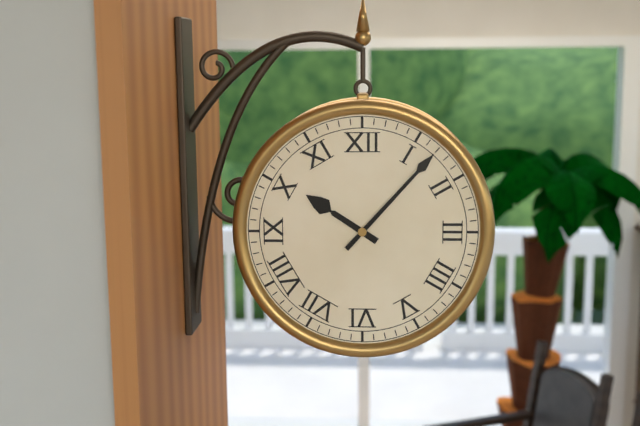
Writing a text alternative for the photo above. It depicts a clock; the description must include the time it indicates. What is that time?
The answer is 10:07
